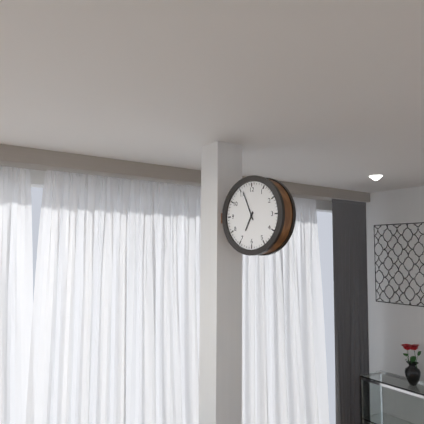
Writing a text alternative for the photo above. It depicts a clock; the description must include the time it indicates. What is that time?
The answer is 6:56
